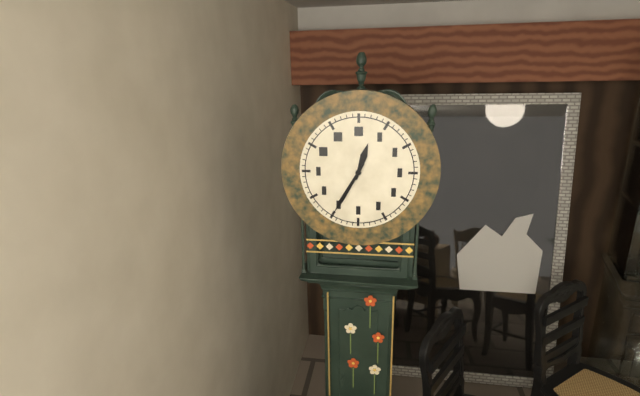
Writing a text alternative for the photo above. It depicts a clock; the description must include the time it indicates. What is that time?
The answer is 12:35
